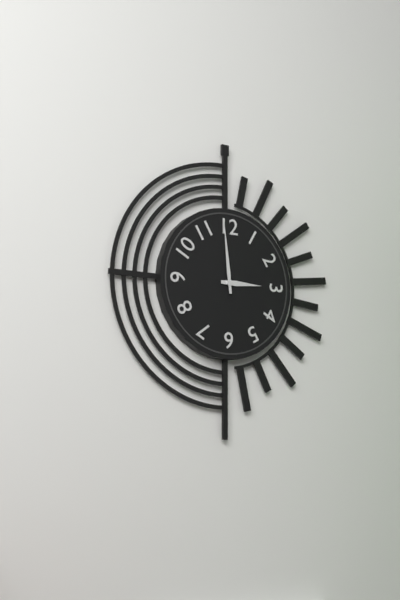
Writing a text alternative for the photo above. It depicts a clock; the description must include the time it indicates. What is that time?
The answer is 2:59
